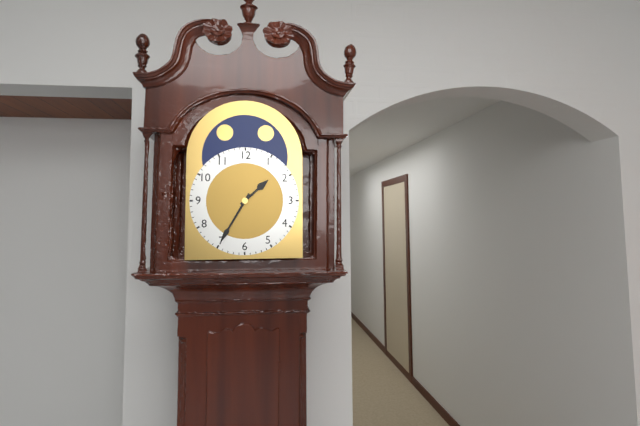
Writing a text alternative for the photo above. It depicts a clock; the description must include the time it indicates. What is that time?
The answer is 1:35
